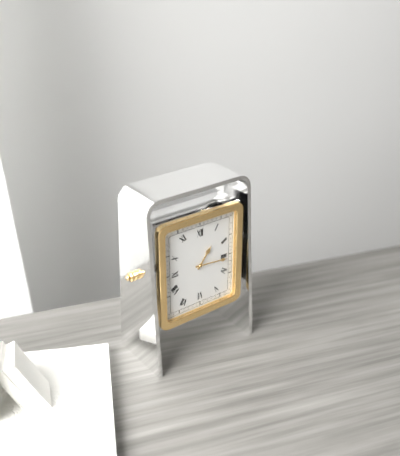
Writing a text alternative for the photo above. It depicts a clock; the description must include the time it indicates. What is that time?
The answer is 1:16
